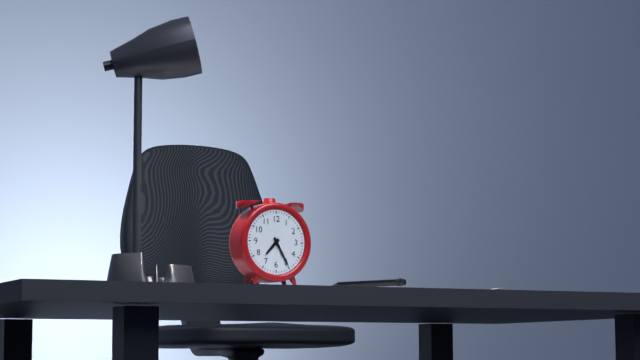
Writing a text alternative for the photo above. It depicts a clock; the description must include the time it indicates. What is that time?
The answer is 7:25
